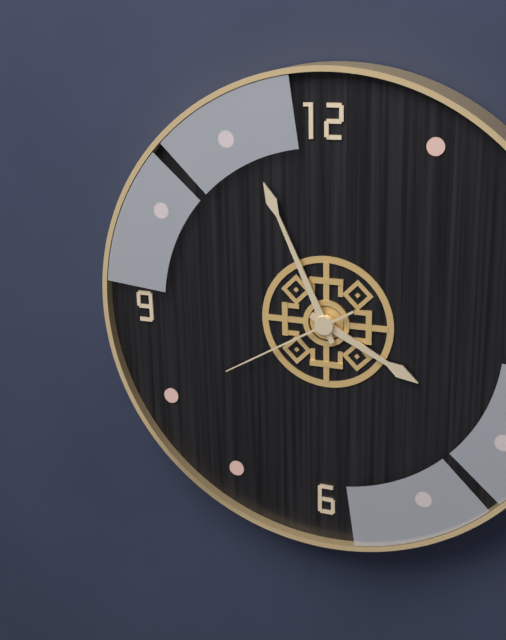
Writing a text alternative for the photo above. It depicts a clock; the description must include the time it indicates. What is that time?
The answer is 3:56:40
